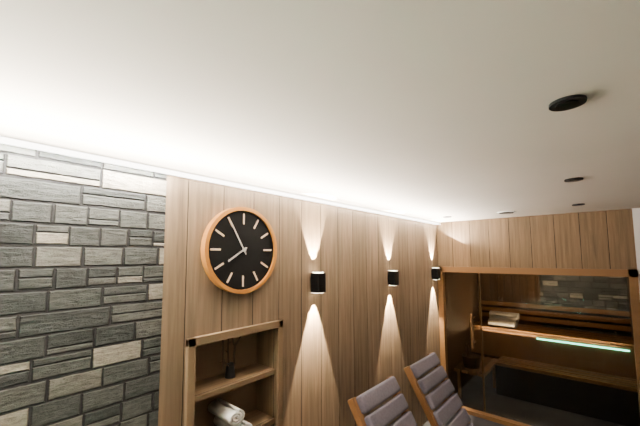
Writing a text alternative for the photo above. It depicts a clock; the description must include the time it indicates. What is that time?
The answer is 7:55
